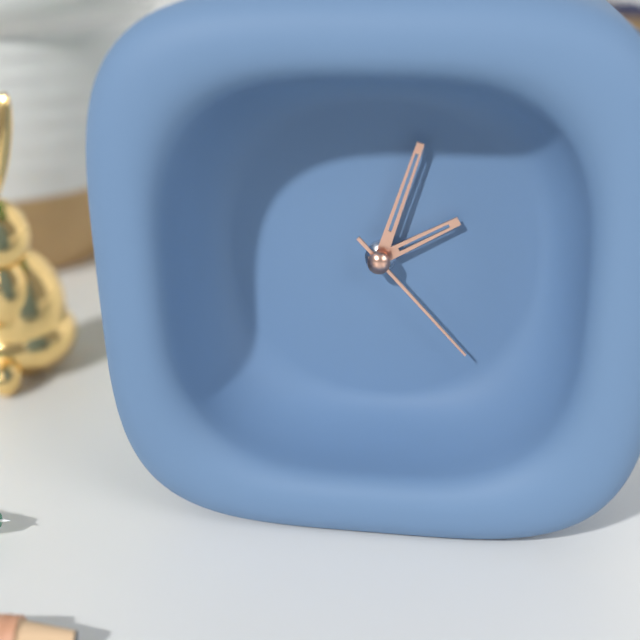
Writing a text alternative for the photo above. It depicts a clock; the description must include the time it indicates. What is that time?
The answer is 2:03:23
